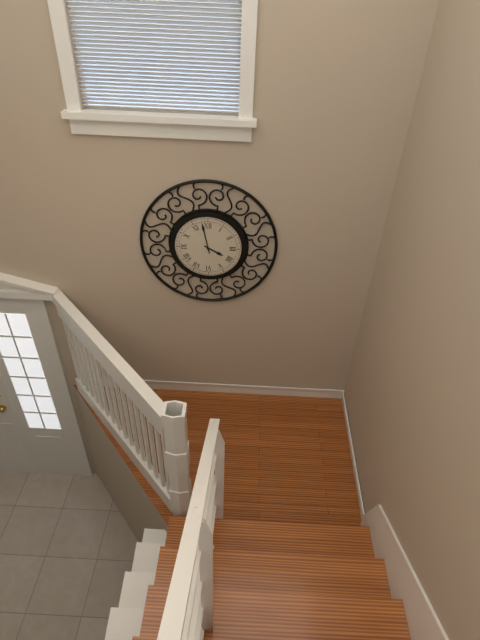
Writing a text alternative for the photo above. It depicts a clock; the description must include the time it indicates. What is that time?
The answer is 3:58
